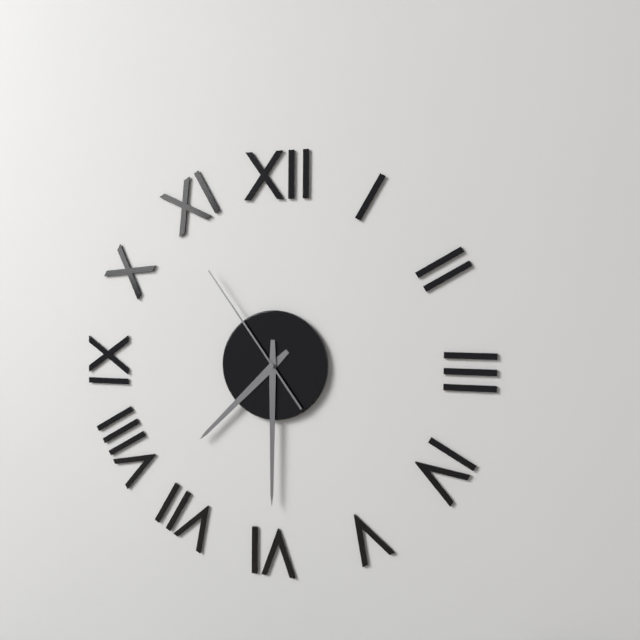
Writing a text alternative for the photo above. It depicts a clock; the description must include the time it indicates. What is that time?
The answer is 7:30:54
